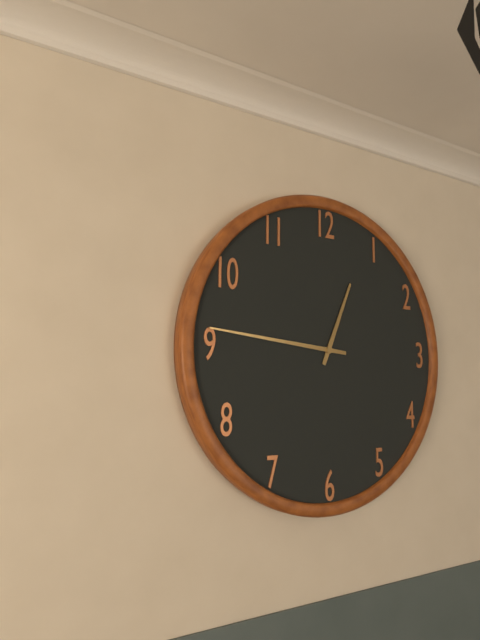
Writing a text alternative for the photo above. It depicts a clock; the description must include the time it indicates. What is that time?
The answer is 12:46
